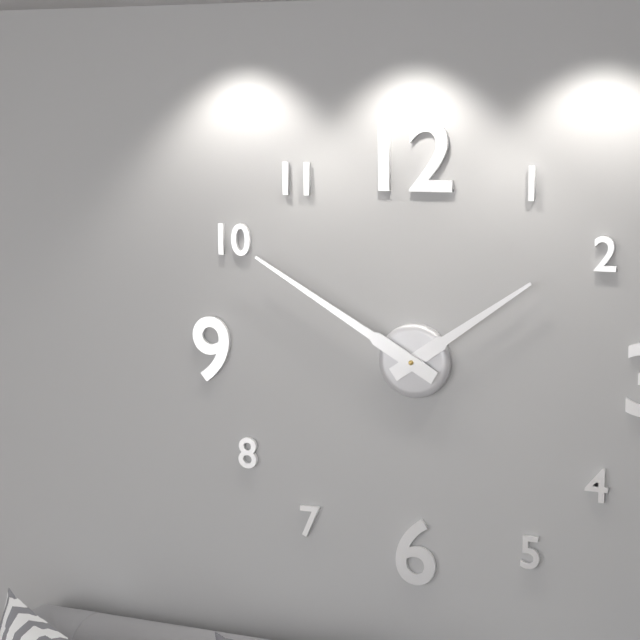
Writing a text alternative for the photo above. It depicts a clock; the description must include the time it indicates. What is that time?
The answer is 1:50
